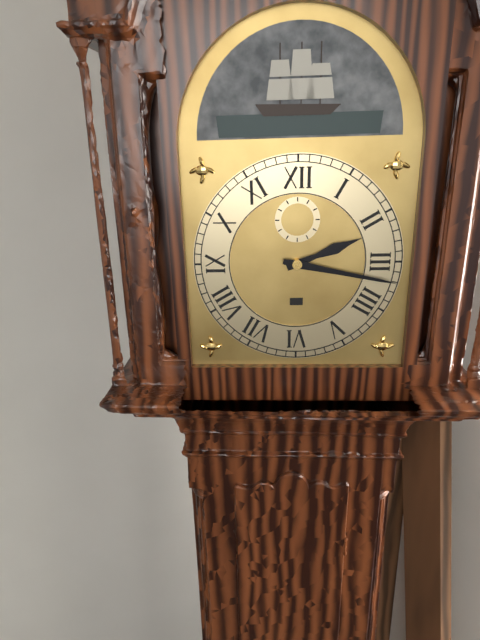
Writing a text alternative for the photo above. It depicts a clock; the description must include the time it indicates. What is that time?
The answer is 2:17
